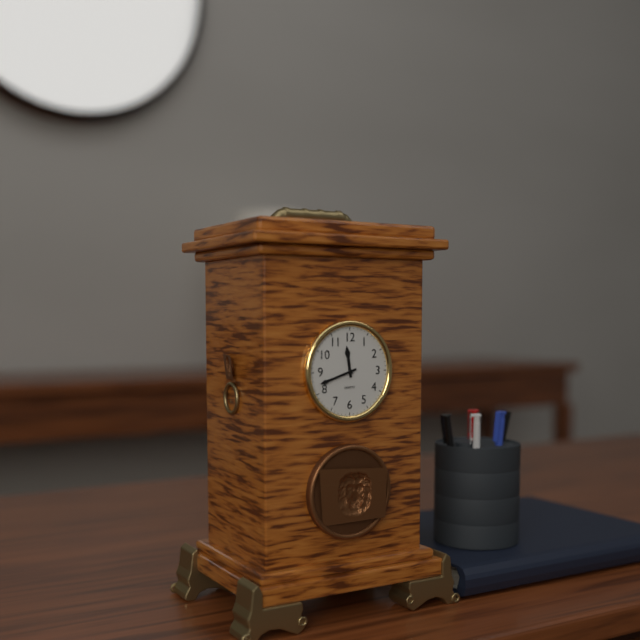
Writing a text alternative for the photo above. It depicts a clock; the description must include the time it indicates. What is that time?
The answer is 11:42
